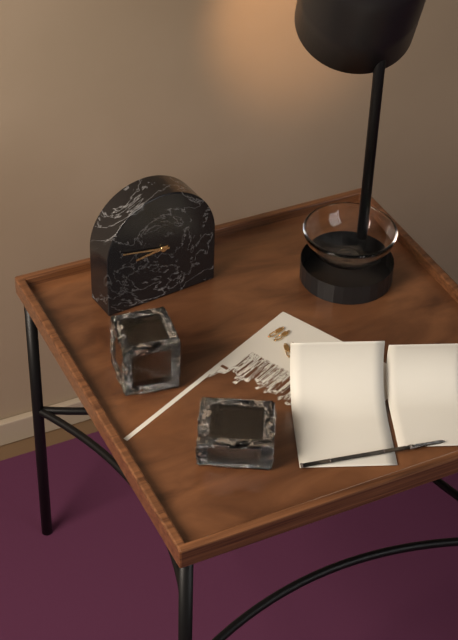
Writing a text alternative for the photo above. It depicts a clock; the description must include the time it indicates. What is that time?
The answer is 8:47
